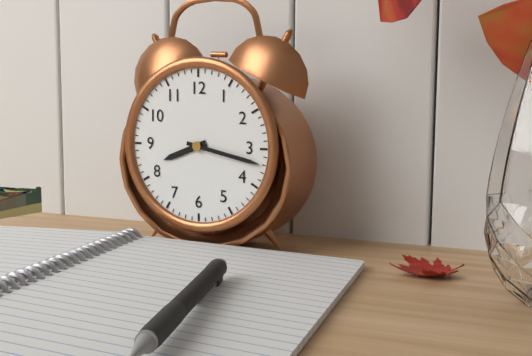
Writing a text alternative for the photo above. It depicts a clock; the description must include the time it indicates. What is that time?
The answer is 8:17
